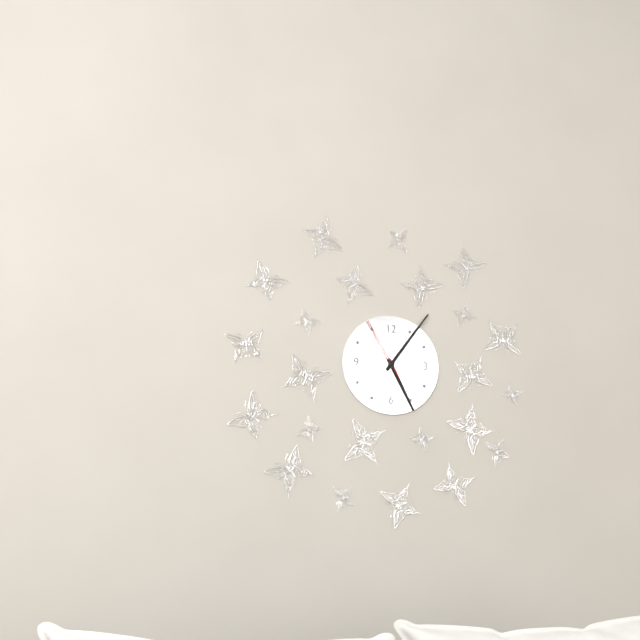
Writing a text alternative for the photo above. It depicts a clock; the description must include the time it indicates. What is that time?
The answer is 5:06:55
